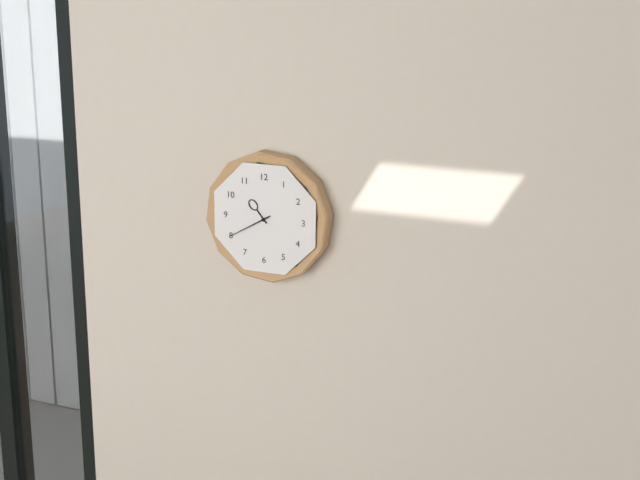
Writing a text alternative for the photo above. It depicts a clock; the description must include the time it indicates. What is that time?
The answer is 10:40
